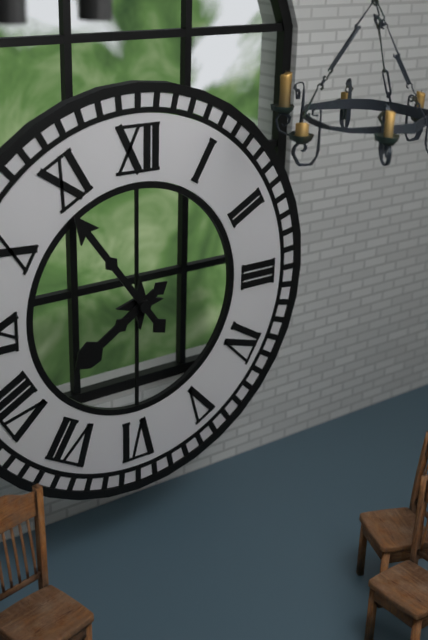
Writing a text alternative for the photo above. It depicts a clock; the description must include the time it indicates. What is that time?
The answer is 7:54
